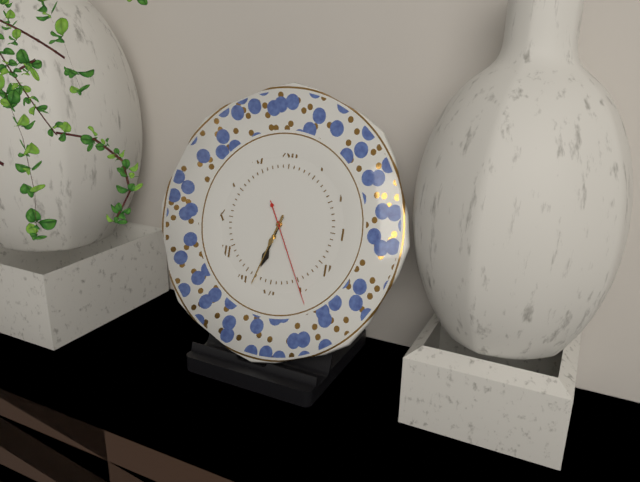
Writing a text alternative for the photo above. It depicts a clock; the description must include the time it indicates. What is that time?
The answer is 6:33:25
